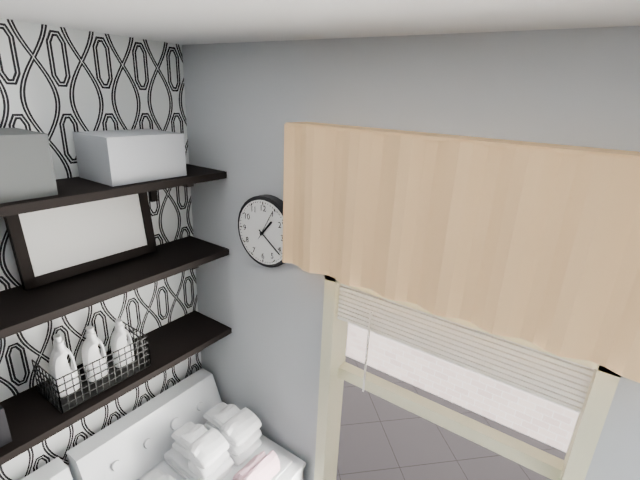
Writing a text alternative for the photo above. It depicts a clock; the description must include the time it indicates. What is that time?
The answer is 1:21
